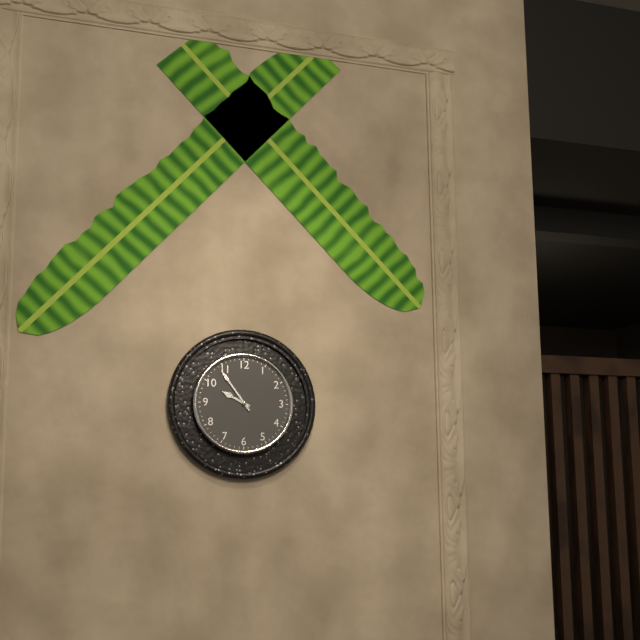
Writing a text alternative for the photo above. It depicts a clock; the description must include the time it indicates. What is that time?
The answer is 9:54
